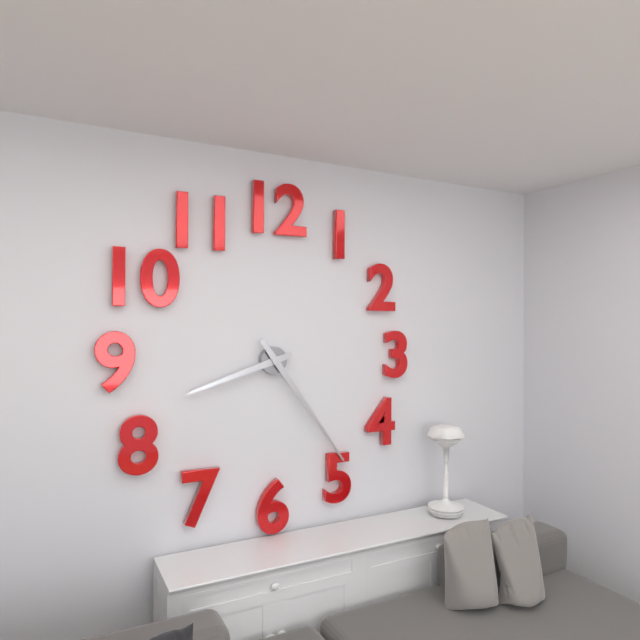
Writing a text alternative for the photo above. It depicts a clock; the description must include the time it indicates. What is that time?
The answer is 8:24
